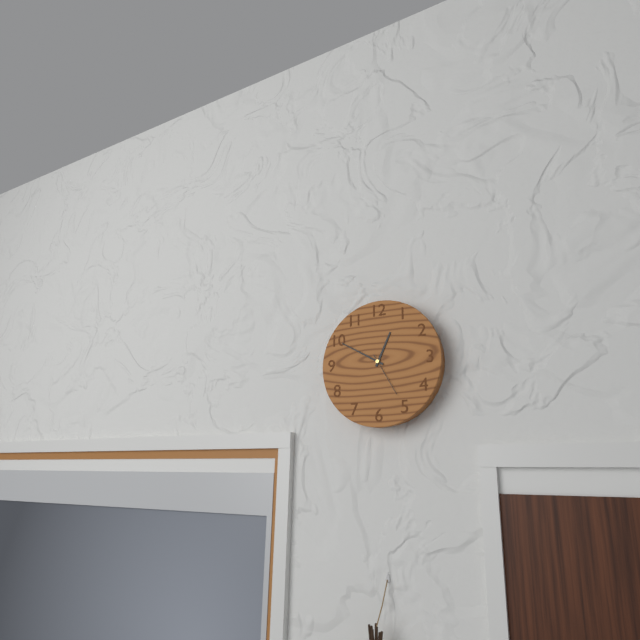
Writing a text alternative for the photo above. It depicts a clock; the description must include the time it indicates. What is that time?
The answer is 12:50
